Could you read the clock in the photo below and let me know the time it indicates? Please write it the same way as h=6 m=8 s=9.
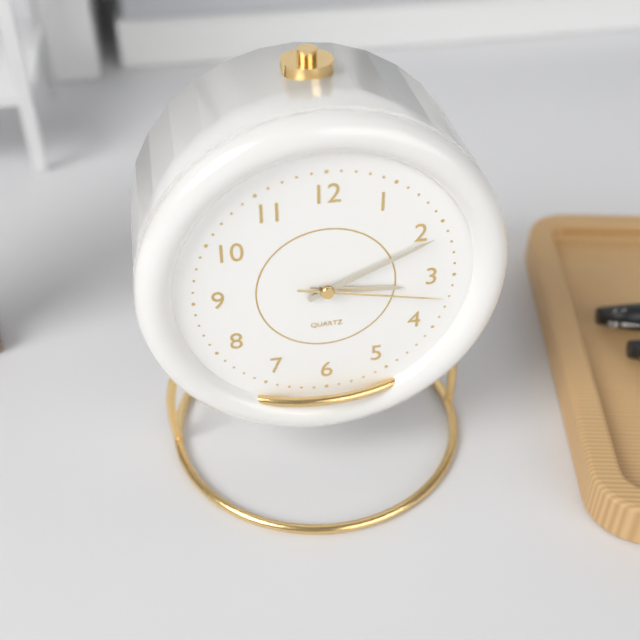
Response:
h=3 m=11 s=17
